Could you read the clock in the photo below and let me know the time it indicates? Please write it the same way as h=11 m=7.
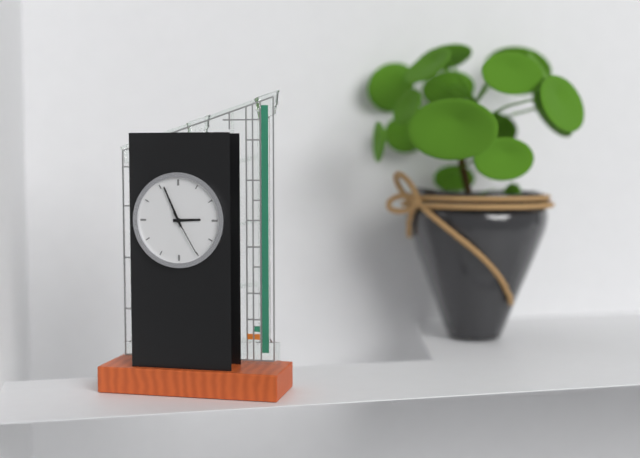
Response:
h=2 m=56
